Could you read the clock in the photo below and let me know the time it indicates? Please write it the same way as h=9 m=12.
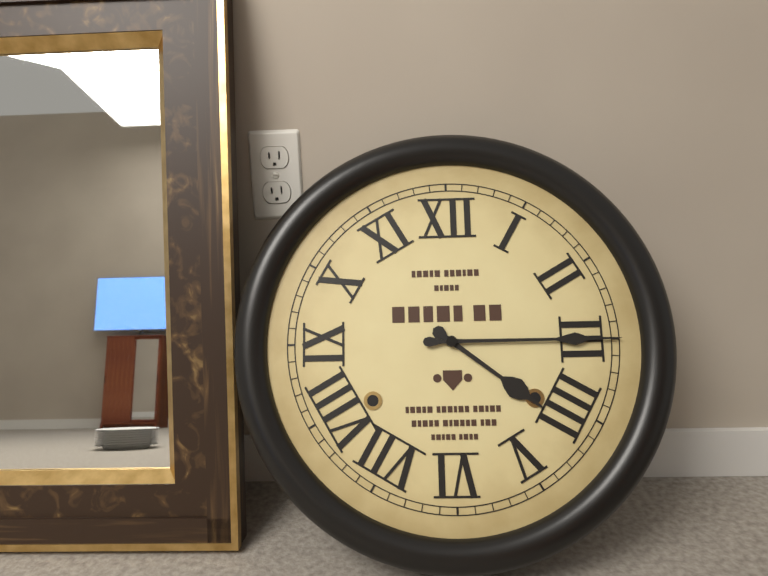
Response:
h=4 m=15
